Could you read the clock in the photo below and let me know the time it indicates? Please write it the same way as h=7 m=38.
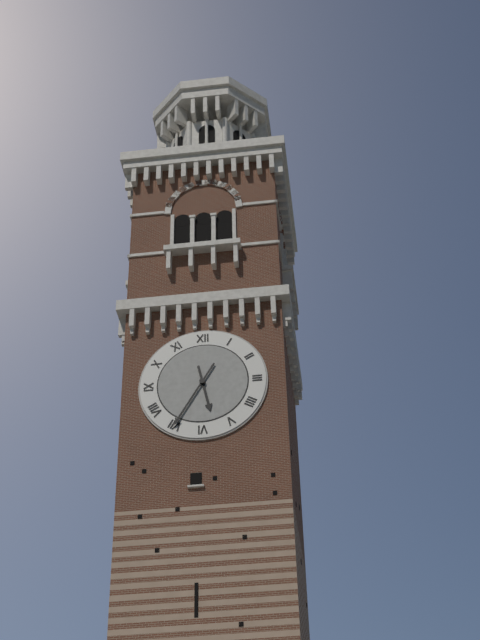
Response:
h=5 m=35
